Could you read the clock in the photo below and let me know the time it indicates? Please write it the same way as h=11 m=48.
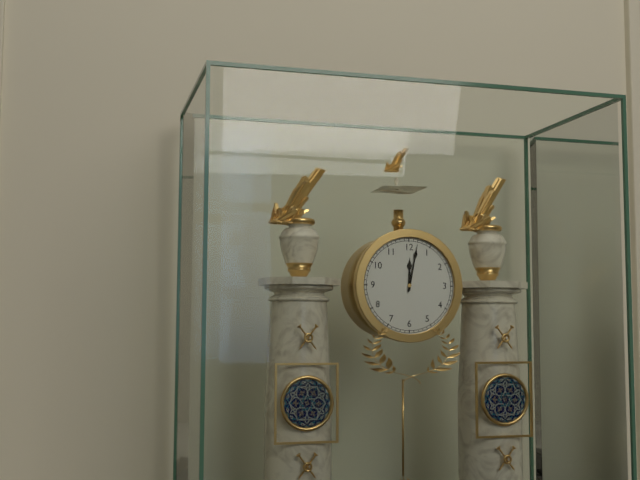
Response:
h=12 m=2
